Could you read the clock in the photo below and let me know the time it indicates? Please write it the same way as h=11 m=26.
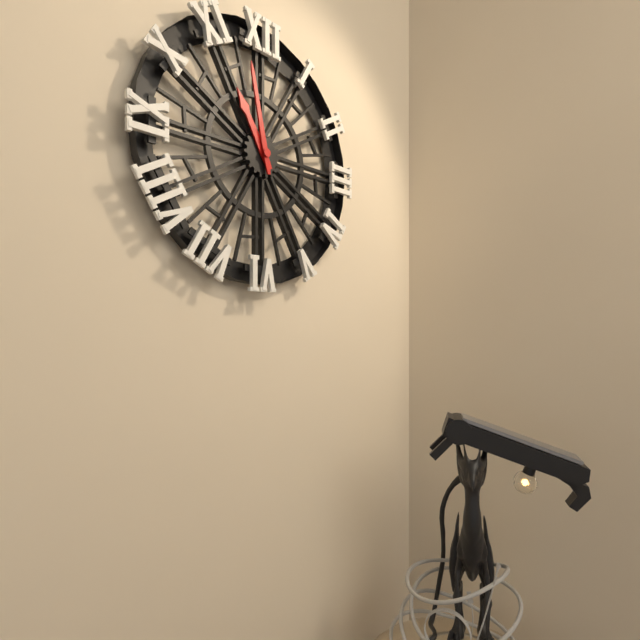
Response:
h=10 m=58
